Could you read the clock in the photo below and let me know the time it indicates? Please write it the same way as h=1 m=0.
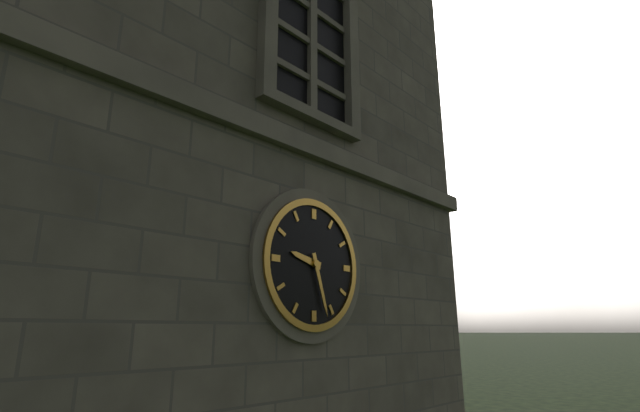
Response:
h=9 m=27
